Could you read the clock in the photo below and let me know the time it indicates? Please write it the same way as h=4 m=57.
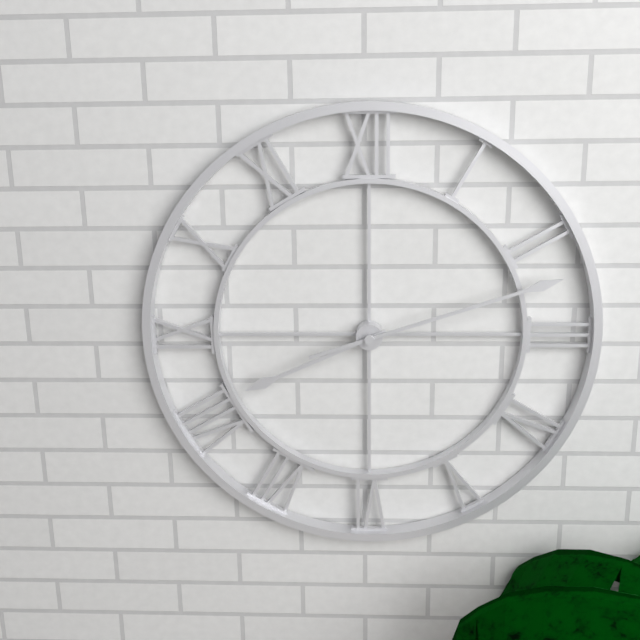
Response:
h=8 m=12
